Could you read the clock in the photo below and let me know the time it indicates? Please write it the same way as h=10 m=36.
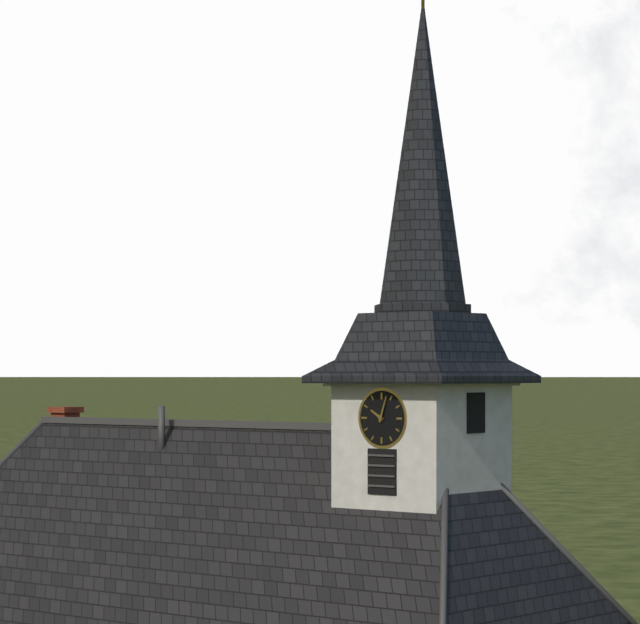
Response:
h=10 m=3
